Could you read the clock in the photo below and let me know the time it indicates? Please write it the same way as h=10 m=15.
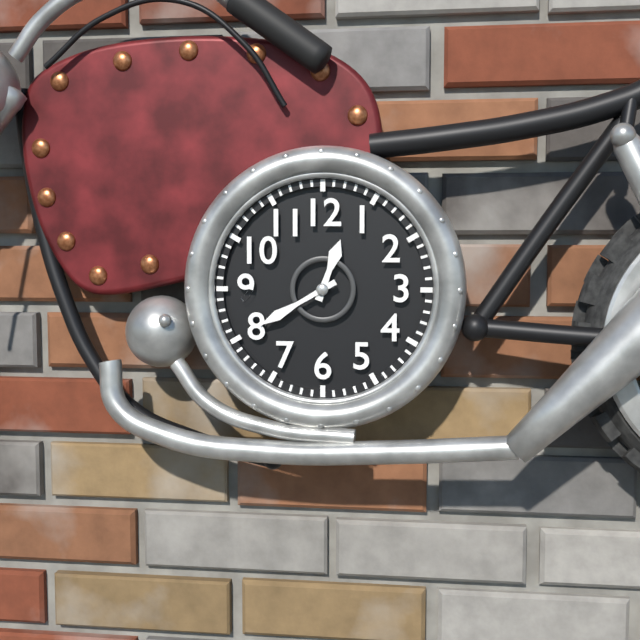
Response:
h=12 m=40
